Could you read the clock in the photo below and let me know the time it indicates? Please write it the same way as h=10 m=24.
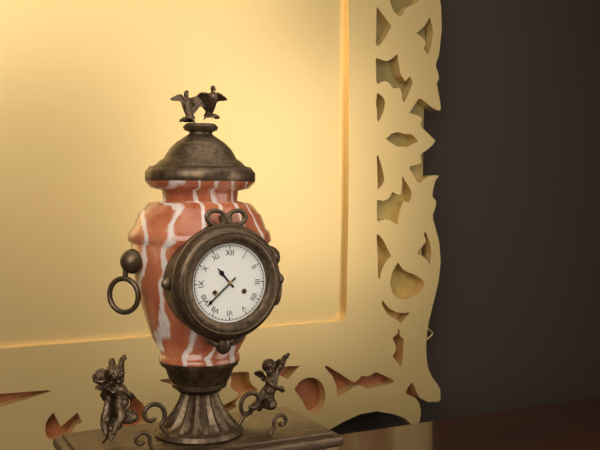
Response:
h=10 m=38
